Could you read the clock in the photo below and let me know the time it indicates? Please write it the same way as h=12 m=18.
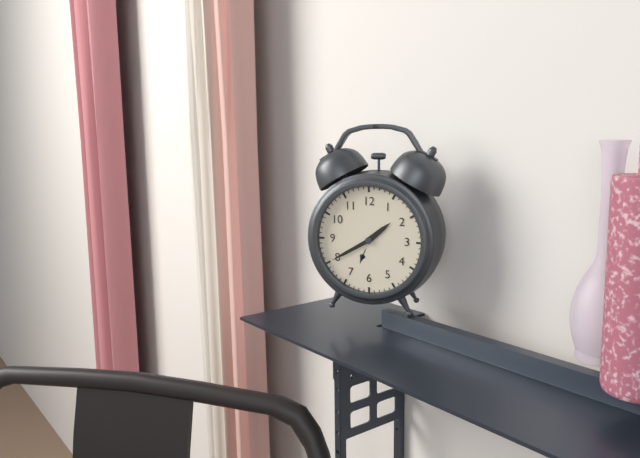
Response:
h=1 m=40
